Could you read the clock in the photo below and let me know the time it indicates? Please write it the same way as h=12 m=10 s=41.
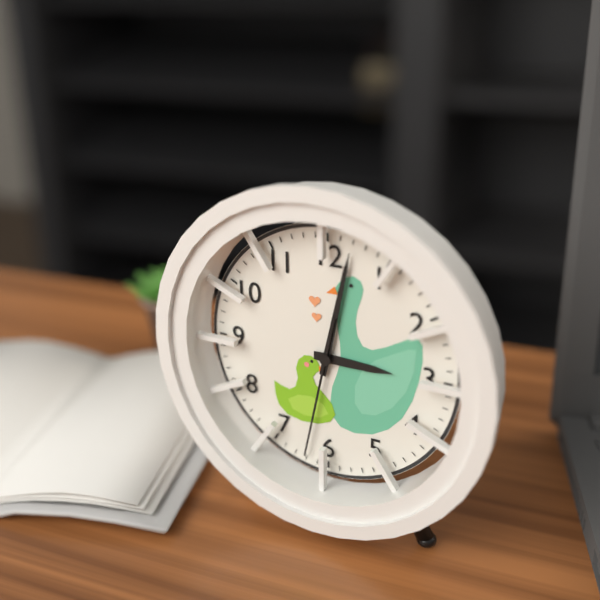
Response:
h=3 m=2 s=32
